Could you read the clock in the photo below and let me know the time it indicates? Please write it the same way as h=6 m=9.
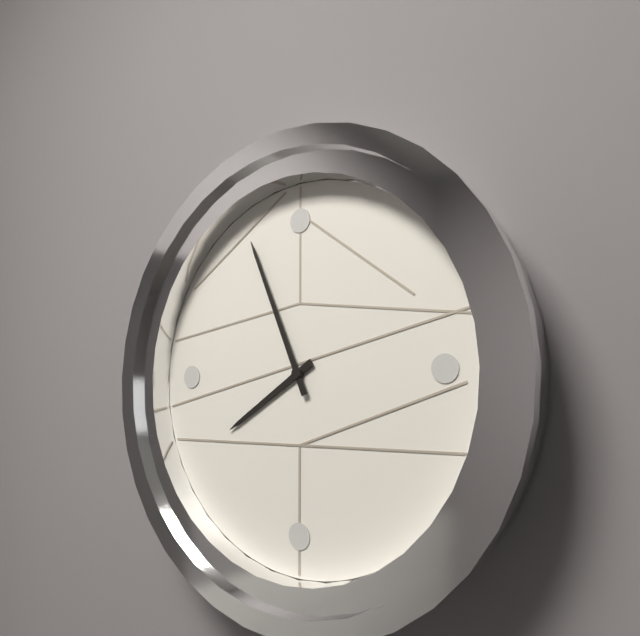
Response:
h=7 m=56
